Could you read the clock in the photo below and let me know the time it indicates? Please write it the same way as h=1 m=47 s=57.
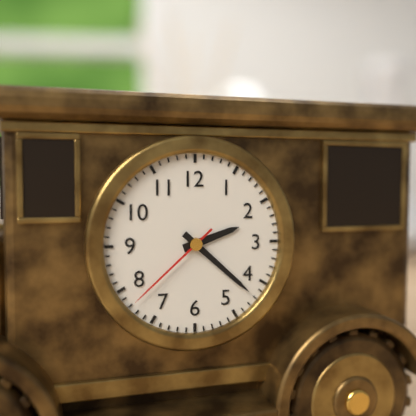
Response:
h=2 m=22 s=38
